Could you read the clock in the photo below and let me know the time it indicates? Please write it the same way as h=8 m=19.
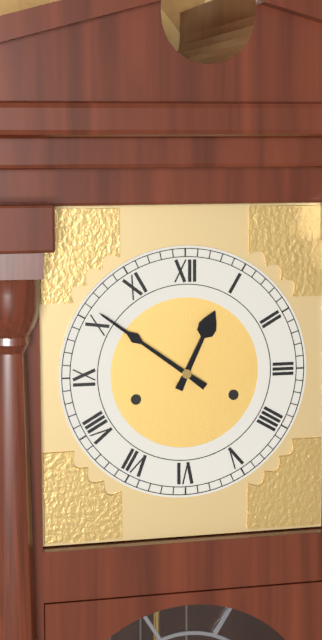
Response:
h=12 m=51
